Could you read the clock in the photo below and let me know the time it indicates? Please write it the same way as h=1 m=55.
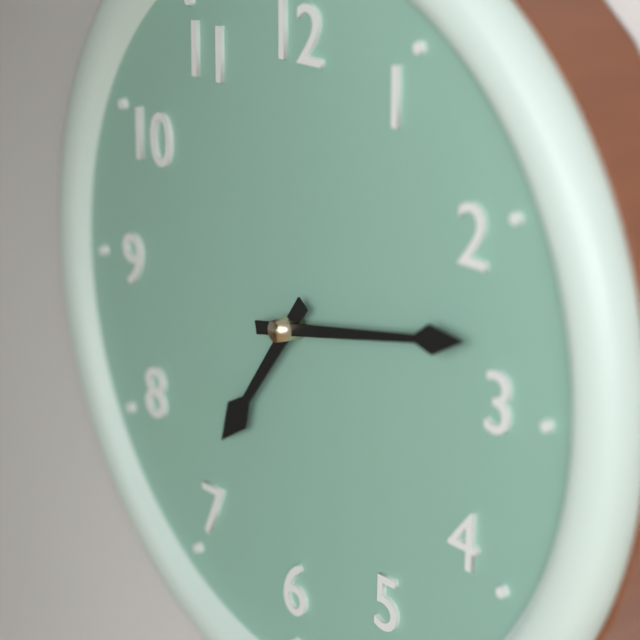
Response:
h=7 m=13
